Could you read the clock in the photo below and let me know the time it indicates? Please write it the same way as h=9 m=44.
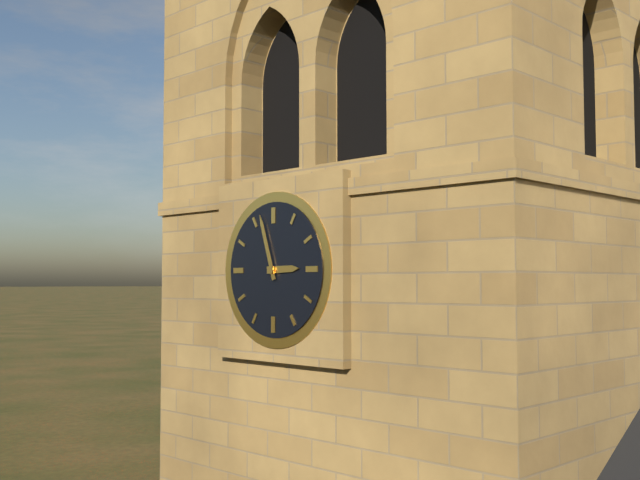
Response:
h=2 m=57
